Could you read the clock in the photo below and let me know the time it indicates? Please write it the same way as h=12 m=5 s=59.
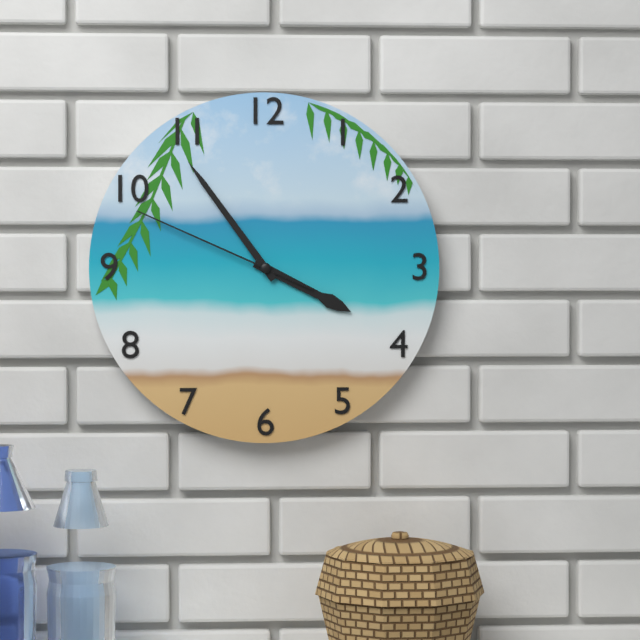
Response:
h=3 m=54 s=49
